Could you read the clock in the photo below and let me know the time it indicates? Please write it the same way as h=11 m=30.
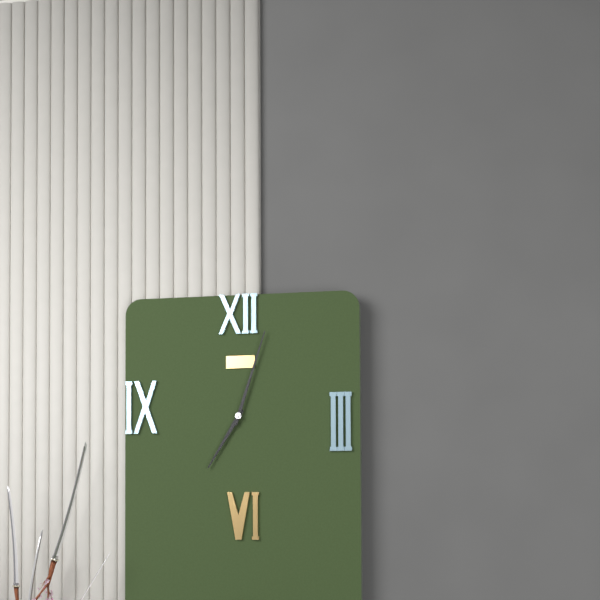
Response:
h=7 m=3
